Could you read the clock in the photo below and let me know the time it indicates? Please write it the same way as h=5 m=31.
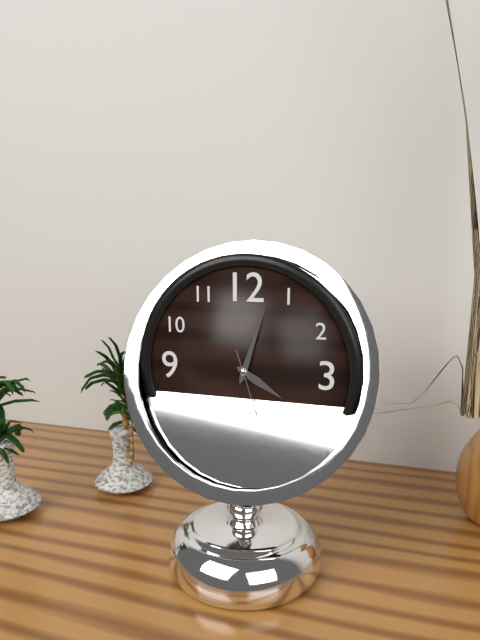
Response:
h=4 m=3
